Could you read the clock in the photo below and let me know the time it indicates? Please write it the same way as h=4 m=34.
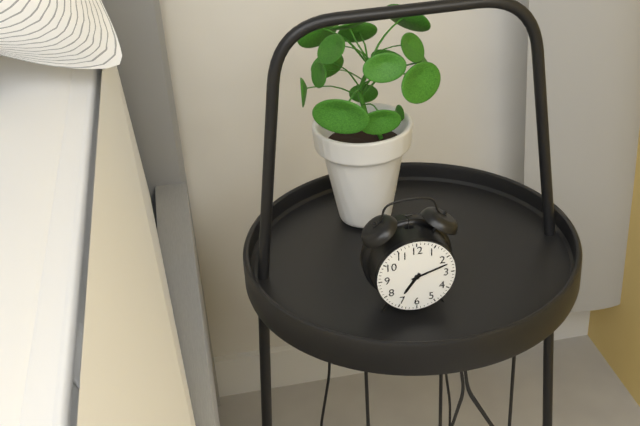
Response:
h=7 m=12
